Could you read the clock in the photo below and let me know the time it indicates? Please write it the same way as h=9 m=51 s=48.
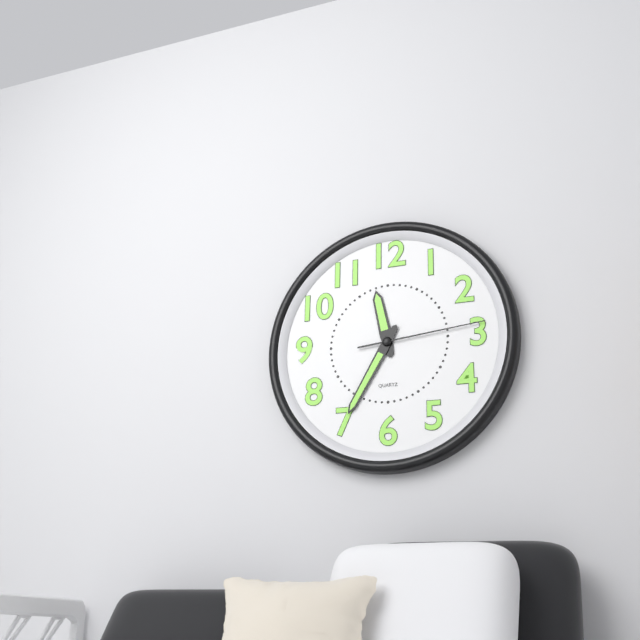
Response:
h=11 m=35 s=14
